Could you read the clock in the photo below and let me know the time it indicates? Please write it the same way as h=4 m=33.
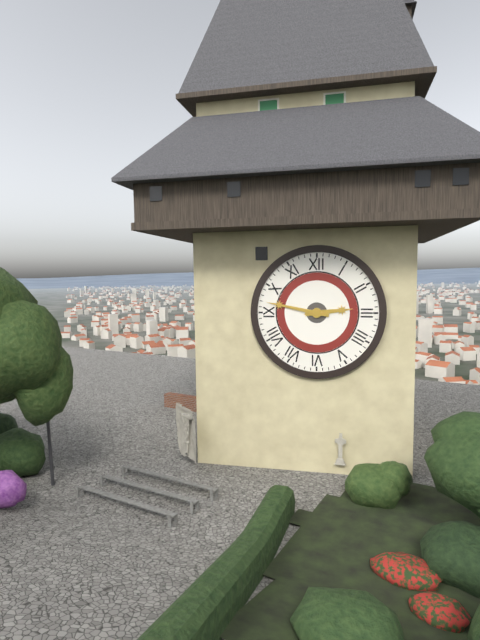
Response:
h=2 m=47
